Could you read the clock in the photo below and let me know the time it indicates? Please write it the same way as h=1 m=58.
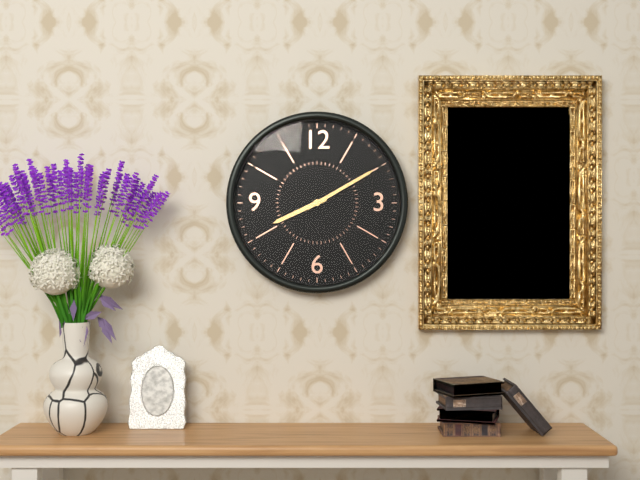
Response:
h=8 m=10
